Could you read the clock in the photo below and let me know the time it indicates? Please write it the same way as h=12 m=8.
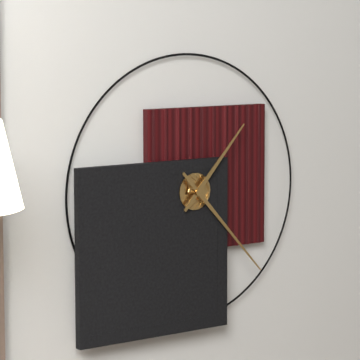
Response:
h=1 m=23
